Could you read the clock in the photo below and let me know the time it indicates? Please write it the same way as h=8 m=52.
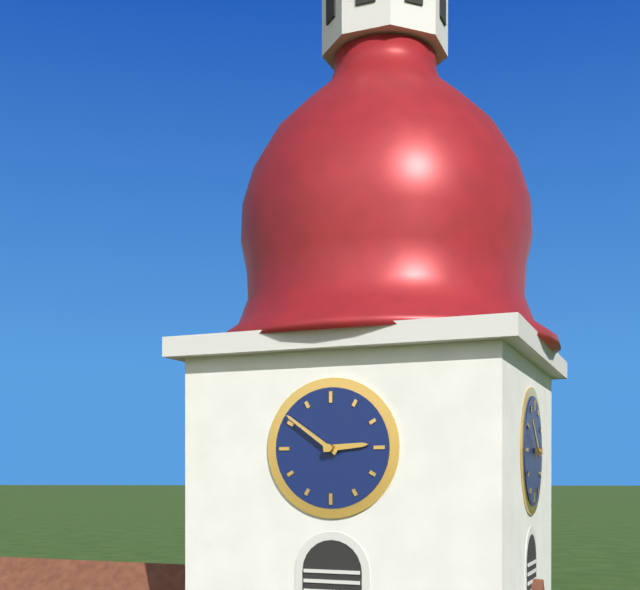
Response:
h=2 m=51
